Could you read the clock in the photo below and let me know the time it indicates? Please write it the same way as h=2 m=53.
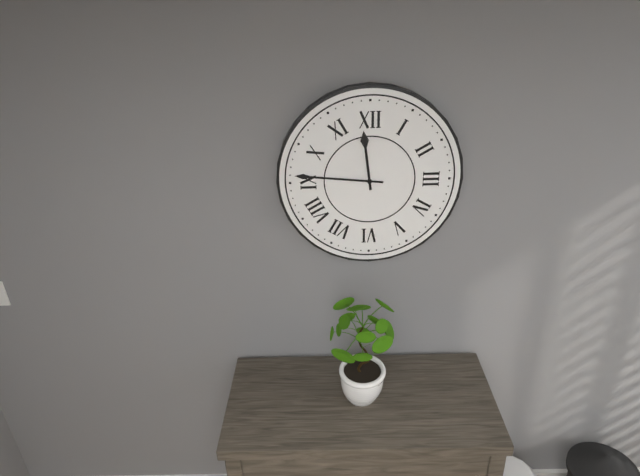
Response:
h=11 m=46
